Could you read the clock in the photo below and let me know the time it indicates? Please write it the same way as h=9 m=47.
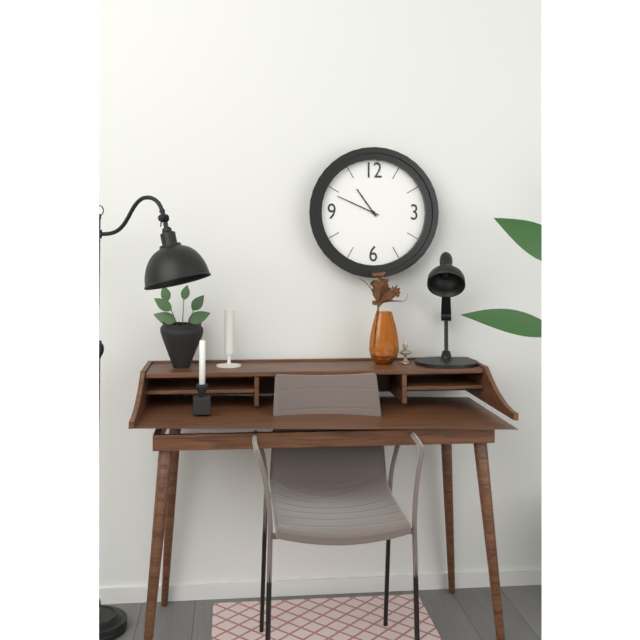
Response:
h=10 m=49
